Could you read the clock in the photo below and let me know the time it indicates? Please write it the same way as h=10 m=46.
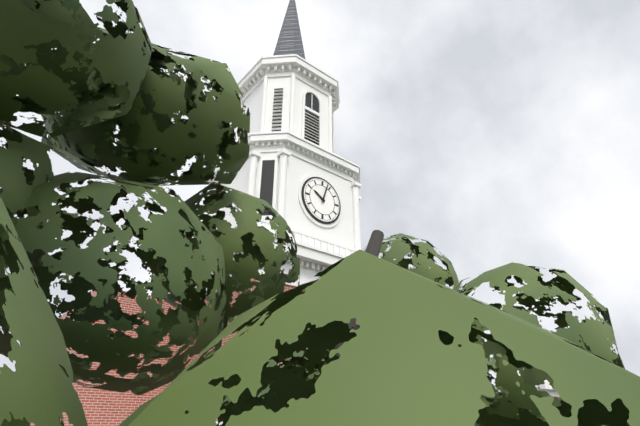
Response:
h=10 m=3
